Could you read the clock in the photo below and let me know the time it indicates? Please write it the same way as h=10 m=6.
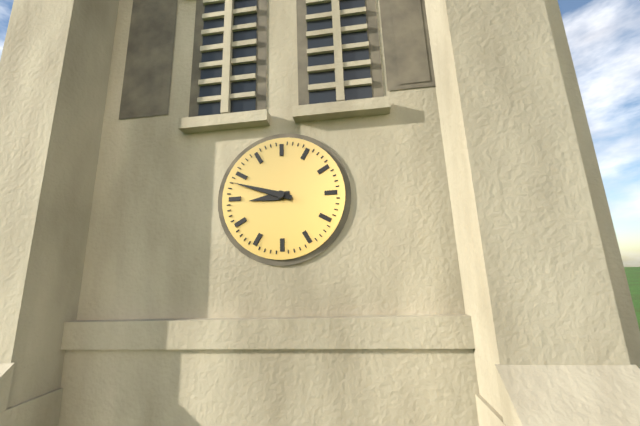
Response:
h=8 m=48
